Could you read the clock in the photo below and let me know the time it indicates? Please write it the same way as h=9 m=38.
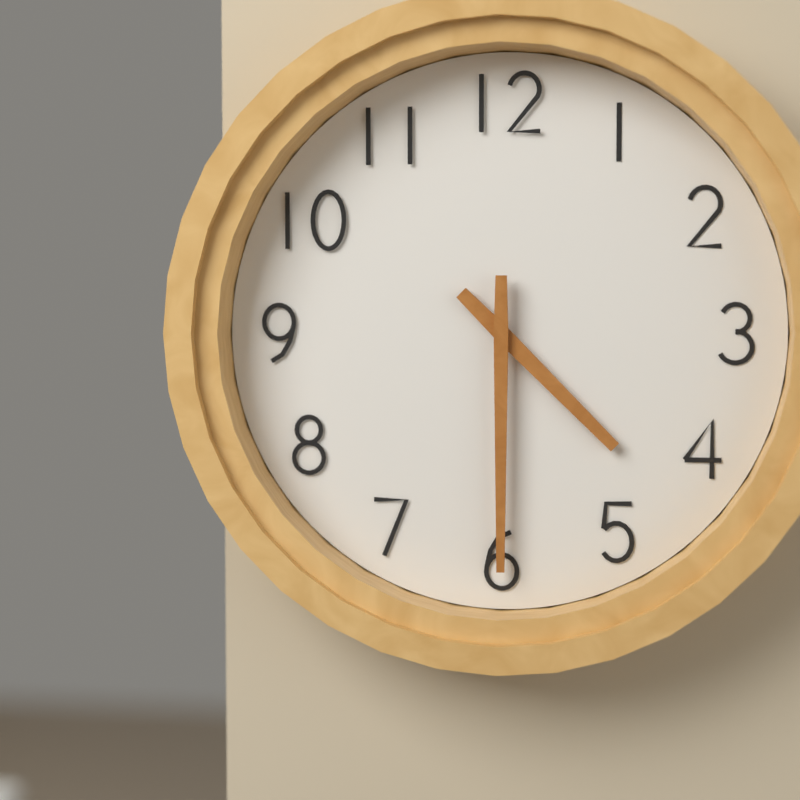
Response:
h=4 m=30
